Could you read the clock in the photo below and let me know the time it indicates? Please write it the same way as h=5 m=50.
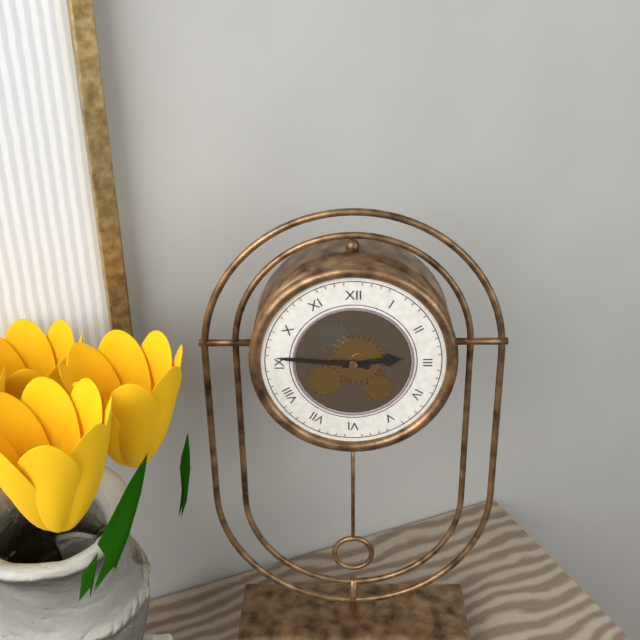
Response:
h=2 m=46
